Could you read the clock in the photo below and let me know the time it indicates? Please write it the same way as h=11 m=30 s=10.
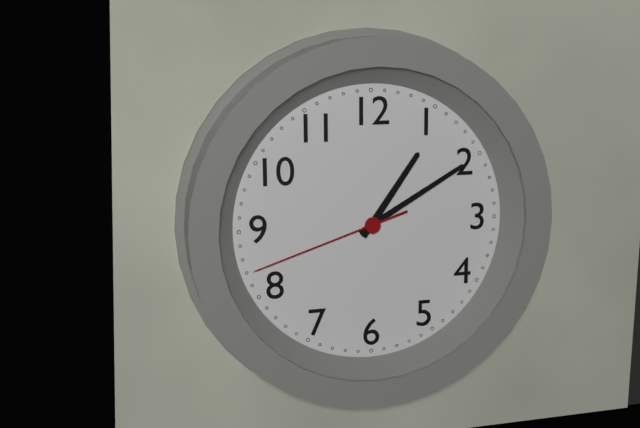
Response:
h=1 m=10 s=42
